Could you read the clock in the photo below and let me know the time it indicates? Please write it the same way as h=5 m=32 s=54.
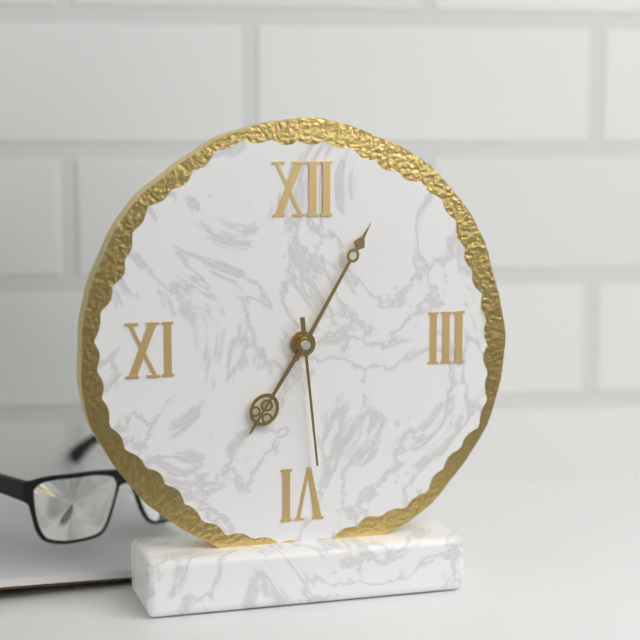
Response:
h=7 m=5 s=29
